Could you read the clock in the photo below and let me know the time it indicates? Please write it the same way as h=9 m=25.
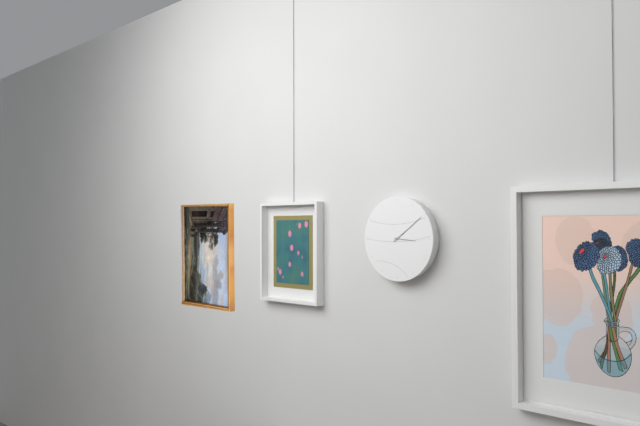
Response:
h=3 m=9
